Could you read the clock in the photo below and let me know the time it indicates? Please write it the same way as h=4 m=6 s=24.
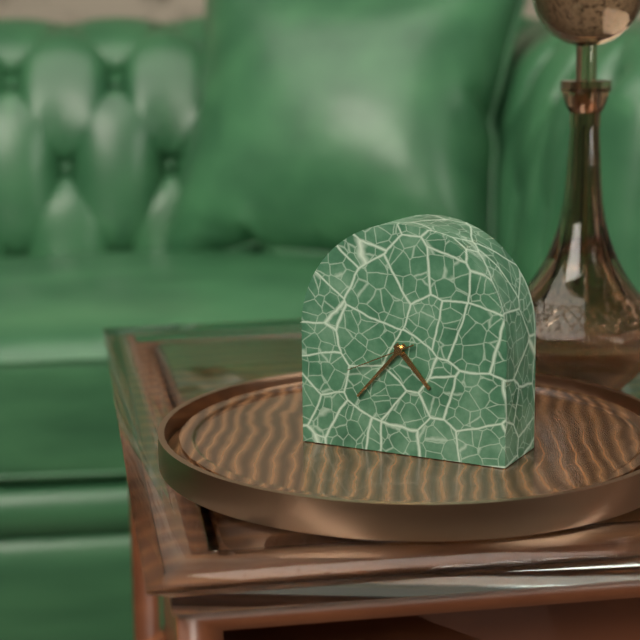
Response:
h=4 m=37 s=41
